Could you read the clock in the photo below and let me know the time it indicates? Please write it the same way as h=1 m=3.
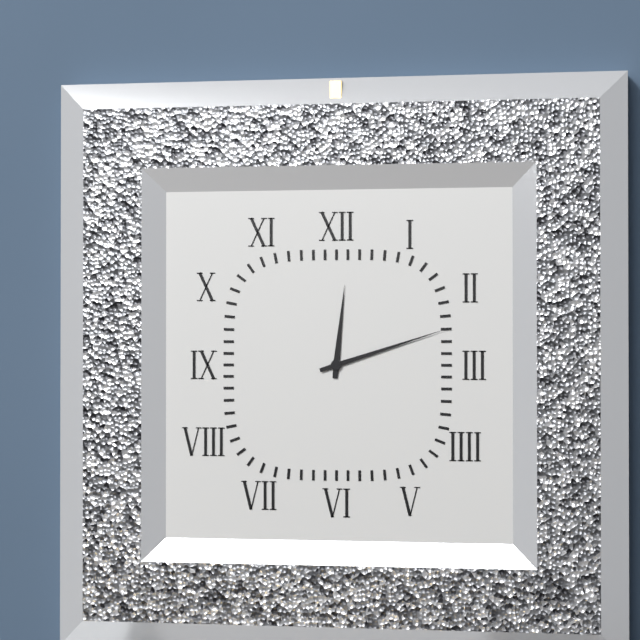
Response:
h=12 m=12
